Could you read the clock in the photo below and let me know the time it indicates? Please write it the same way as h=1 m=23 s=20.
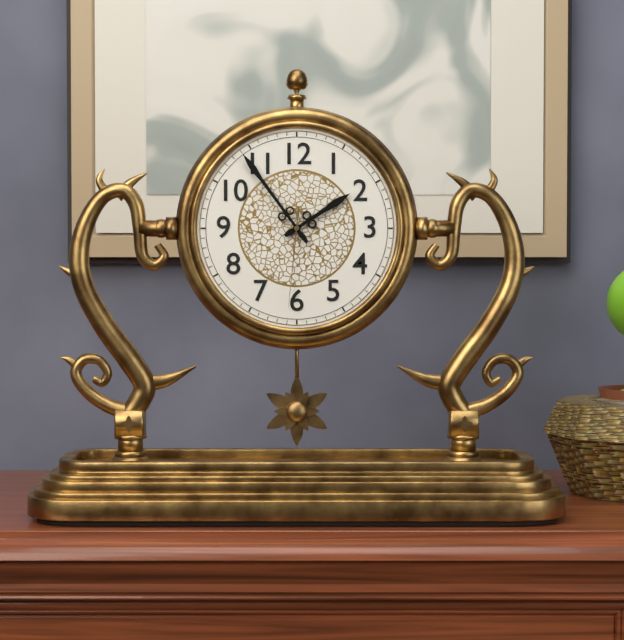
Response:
h=1 m=54 s=31
